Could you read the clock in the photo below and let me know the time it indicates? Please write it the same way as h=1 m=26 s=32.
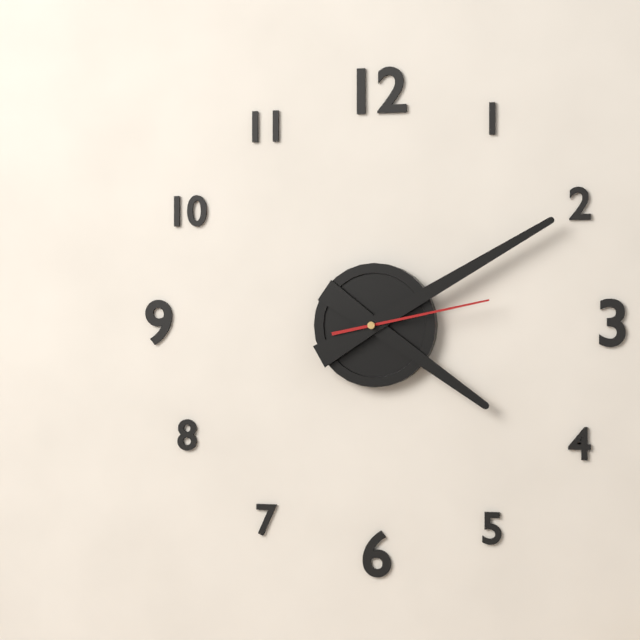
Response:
h=4 m=10 s=13
